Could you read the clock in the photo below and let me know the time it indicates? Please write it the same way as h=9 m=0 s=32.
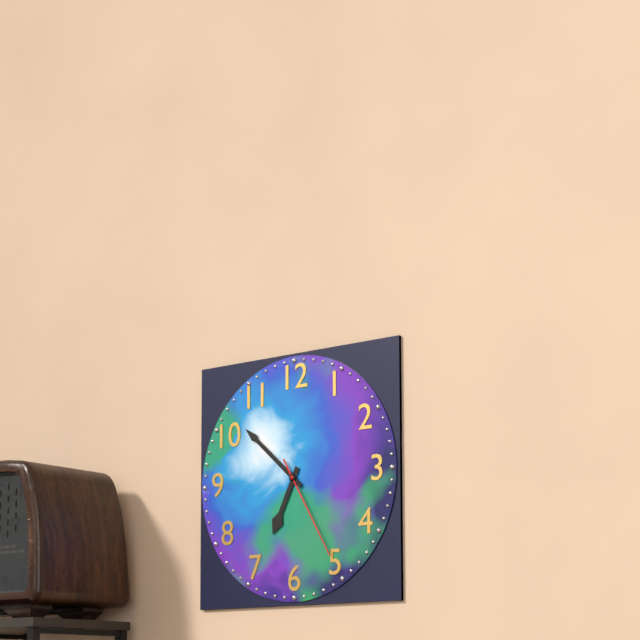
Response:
h=6 m=52 s=25
